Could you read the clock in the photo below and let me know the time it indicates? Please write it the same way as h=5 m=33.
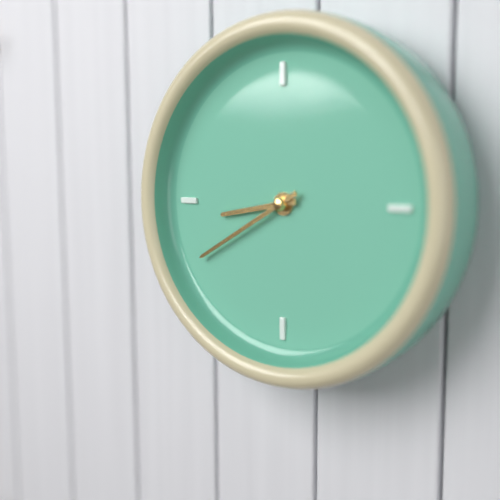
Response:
h=8 m=40
